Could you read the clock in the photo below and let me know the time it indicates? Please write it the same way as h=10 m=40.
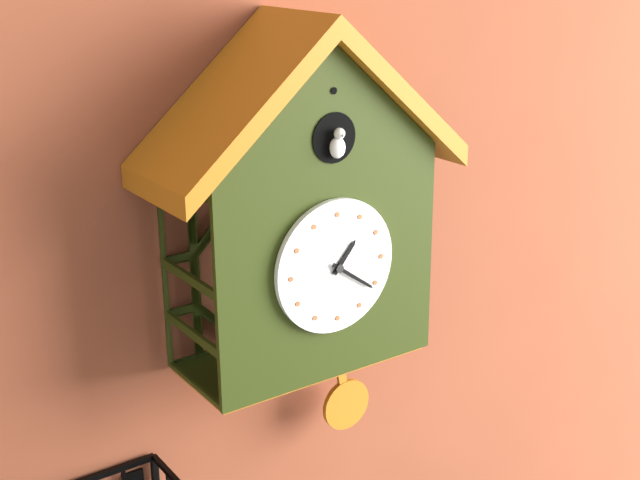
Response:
h=1 m=21
